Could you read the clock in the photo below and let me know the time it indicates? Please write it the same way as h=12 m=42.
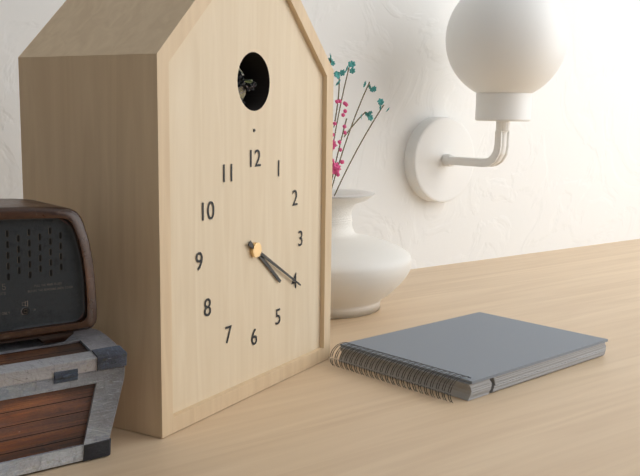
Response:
h=4 m=20
